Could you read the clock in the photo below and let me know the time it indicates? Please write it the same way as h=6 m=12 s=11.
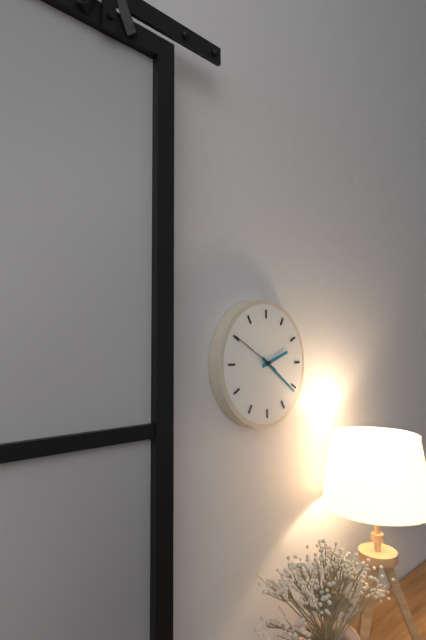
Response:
h=2 m=21 s=50
